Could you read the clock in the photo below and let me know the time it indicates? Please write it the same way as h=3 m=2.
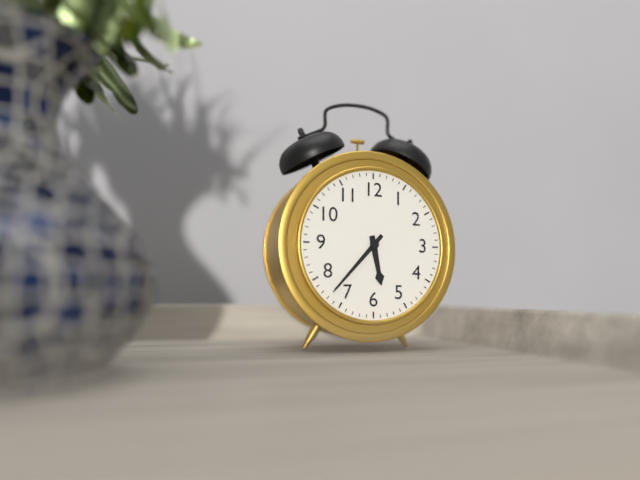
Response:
h=5 m=37
